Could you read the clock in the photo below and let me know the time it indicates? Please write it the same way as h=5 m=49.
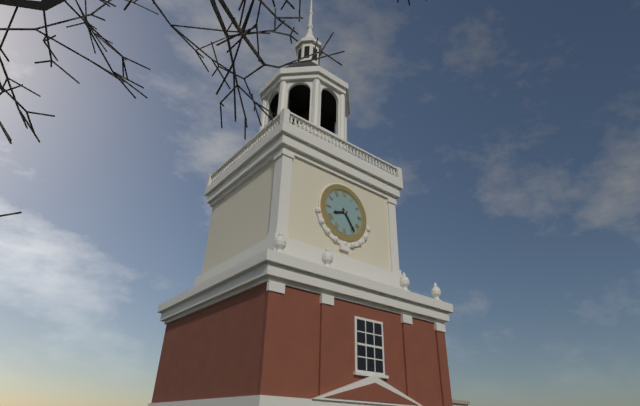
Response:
h=8 m=24
